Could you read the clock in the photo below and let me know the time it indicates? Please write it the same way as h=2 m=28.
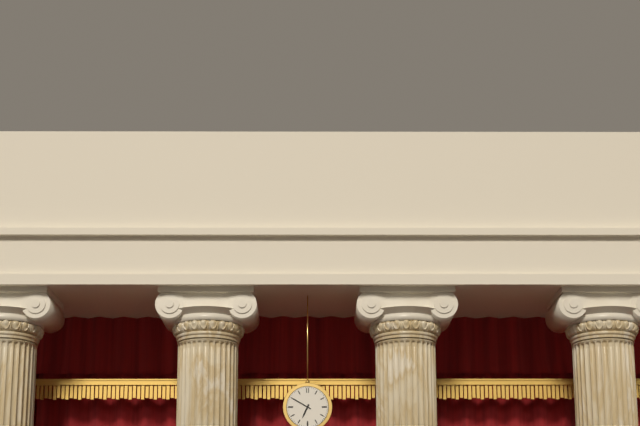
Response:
h=6 m=50
